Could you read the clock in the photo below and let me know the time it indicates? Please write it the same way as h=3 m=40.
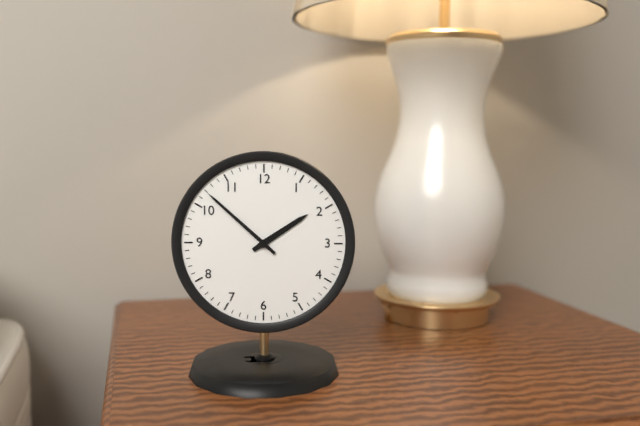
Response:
h=1 m=52
